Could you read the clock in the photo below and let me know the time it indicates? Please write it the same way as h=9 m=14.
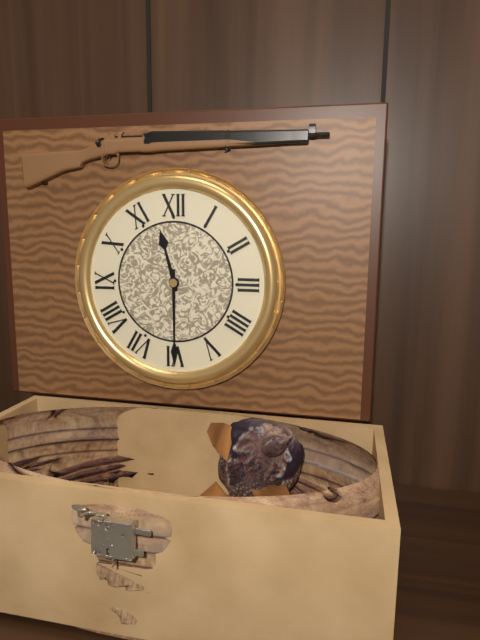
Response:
h=11 m=30
